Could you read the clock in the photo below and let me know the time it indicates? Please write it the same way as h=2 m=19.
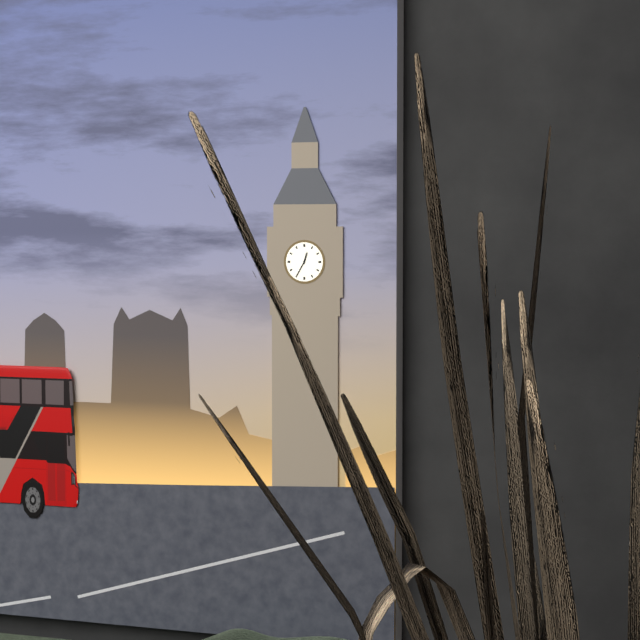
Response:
h=12 m=35
